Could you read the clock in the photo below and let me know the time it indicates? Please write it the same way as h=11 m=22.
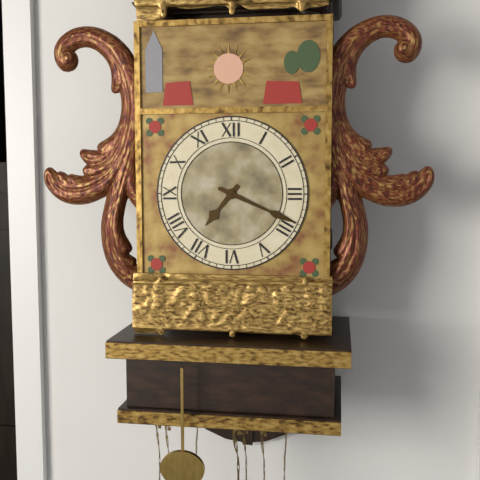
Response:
h=7 m=19
